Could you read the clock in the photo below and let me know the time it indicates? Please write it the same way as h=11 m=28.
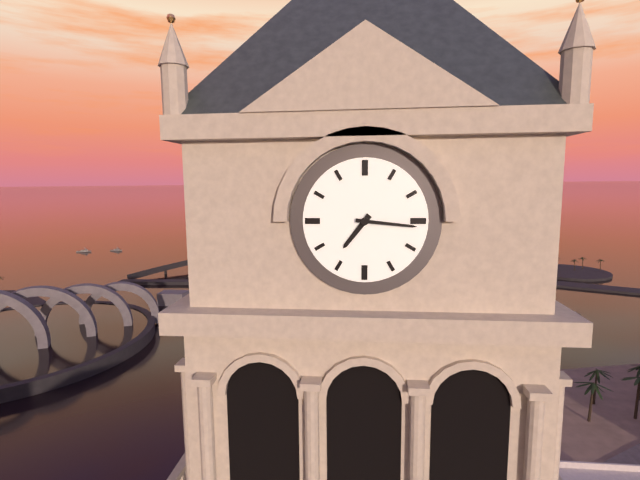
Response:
h=7 m=16
